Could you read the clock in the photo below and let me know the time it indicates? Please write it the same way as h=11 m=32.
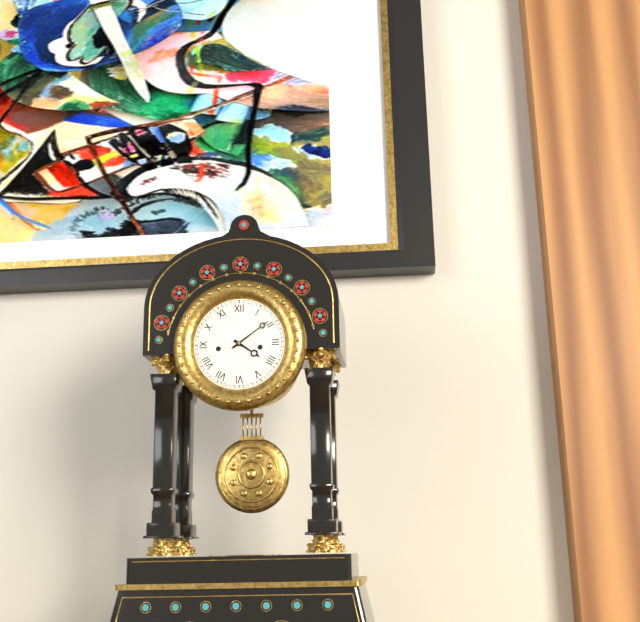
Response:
h=4 m=9
